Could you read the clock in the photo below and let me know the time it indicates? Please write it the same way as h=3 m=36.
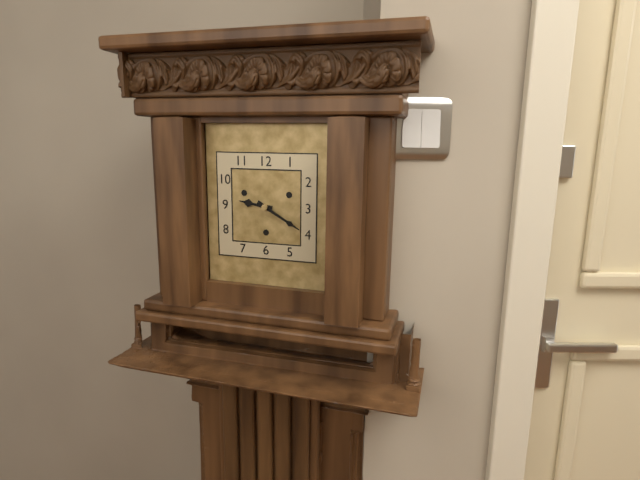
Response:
h=9 m=20
